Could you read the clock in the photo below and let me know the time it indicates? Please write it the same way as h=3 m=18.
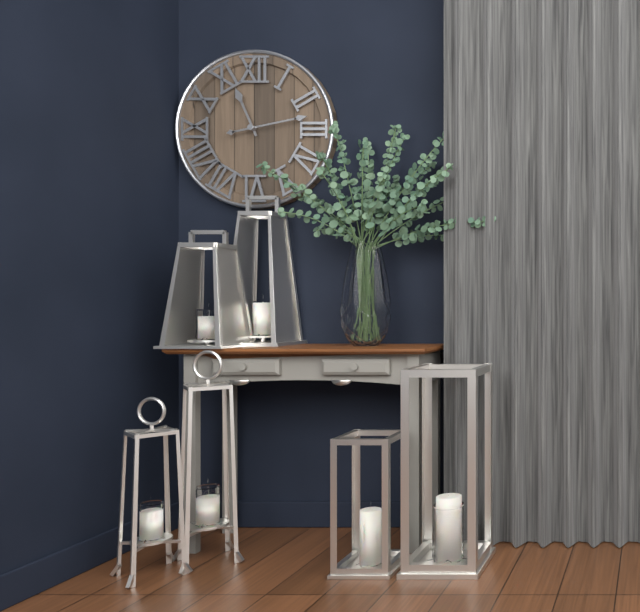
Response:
h=11 m=13
